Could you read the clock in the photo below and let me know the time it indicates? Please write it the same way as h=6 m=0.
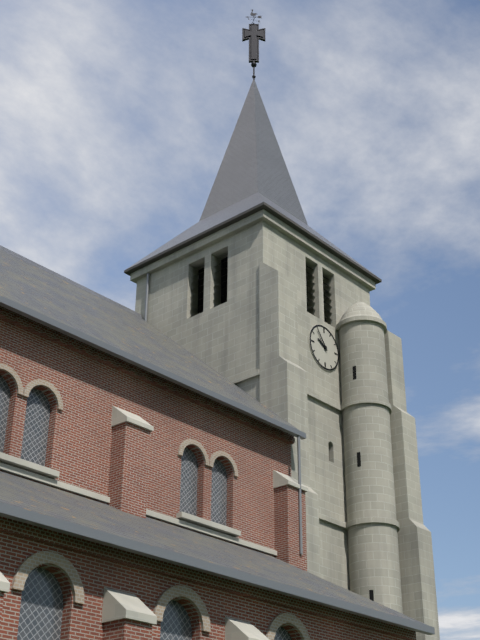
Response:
h=9 m=54
